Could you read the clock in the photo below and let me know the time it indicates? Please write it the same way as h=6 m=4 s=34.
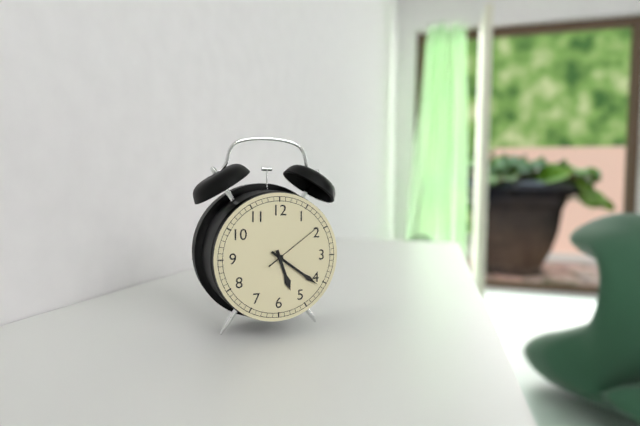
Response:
h=5 m=21 s=9
